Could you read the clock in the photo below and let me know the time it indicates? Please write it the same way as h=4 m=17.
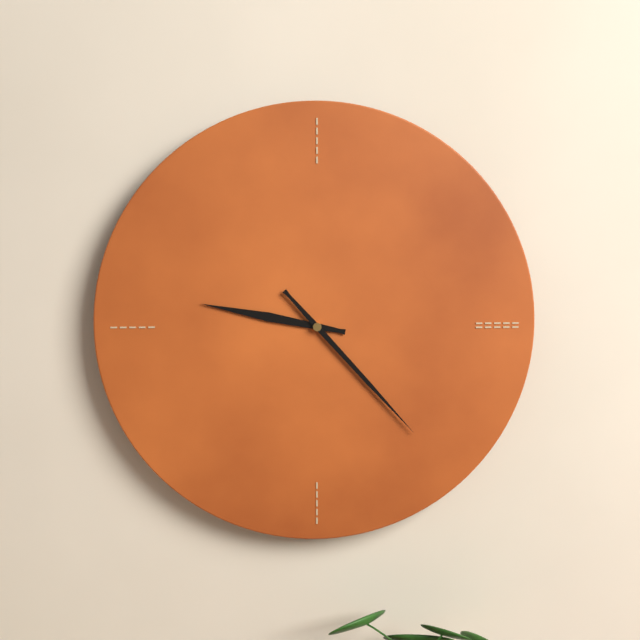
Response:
h=9 m=23
